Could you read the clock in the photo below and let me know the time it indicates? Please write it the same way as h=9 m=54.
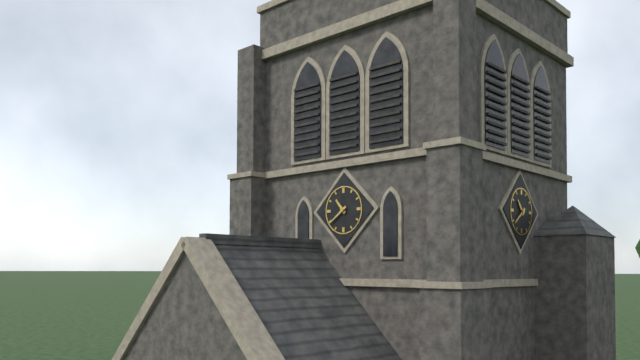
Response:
h=10 m=39
